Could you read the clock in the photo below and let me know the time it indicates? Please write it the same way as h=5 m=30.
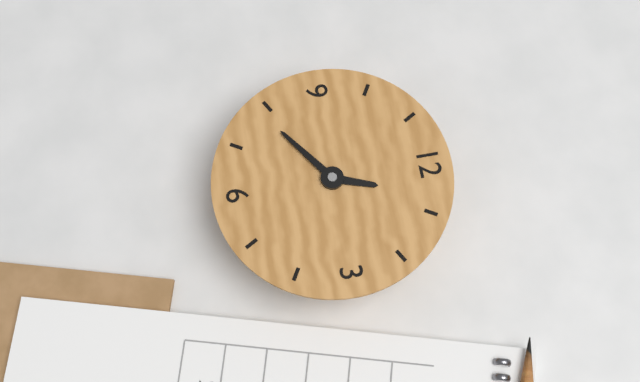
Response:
h=12 m=39
